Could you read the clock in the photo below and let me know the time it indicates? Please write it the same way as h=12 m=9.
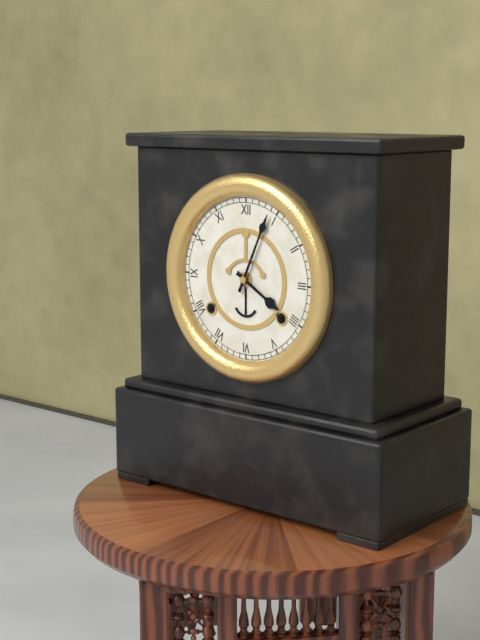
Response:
h=4 m=4
